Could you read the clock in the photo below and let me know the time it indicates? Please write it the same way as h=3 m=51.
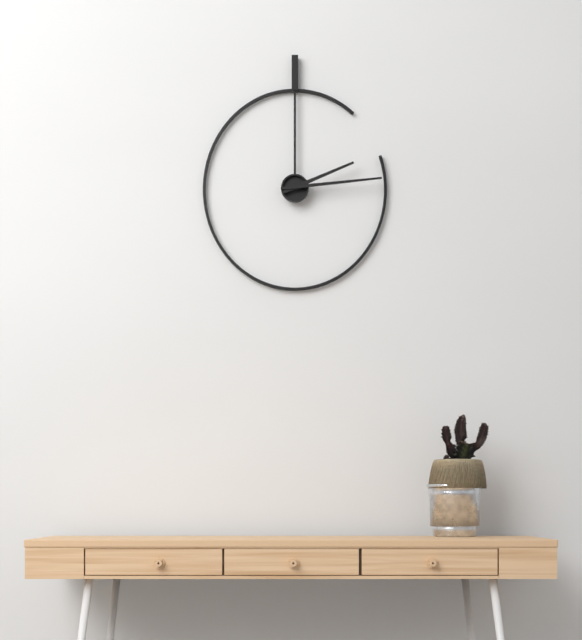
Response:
h=2 m=14
